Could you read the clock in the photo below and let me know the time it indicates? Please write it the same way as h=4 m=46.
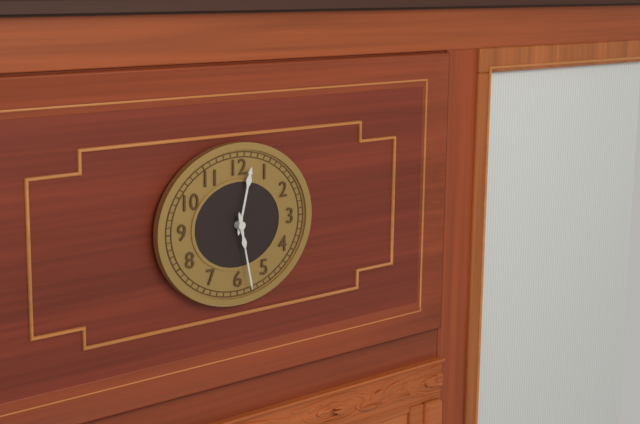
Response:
h=12 m=28
